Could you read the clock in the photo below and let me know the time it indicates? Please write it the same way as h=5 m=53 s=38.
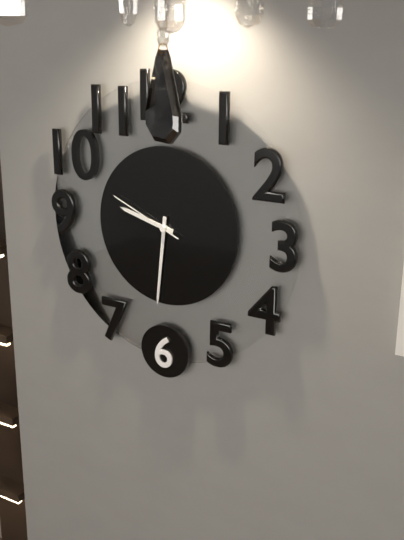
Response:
h=9 m=31 s=49
